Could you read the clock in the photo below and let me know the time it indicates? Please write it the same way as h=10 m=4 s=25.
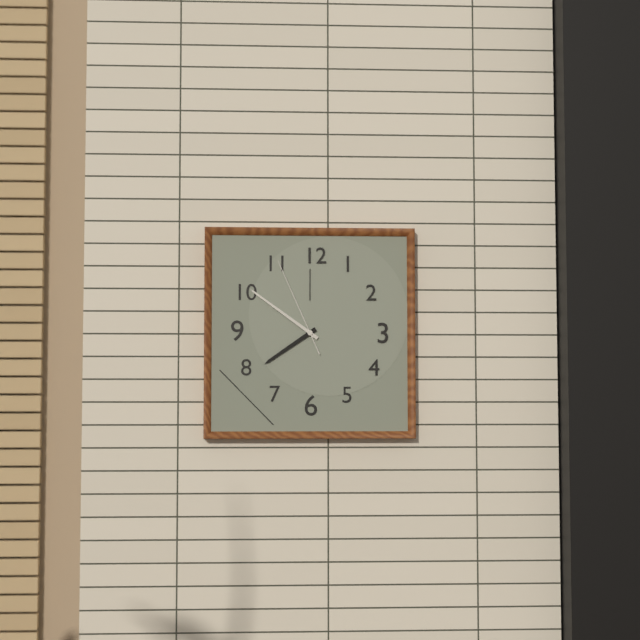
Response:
h=7 m=51 s=56
